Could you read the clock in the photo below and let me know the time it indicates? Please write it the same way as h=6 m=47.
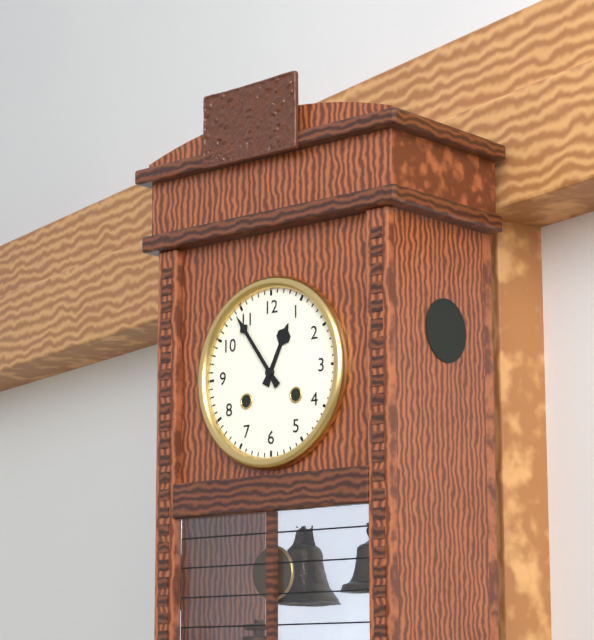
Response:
h=12 m=54
